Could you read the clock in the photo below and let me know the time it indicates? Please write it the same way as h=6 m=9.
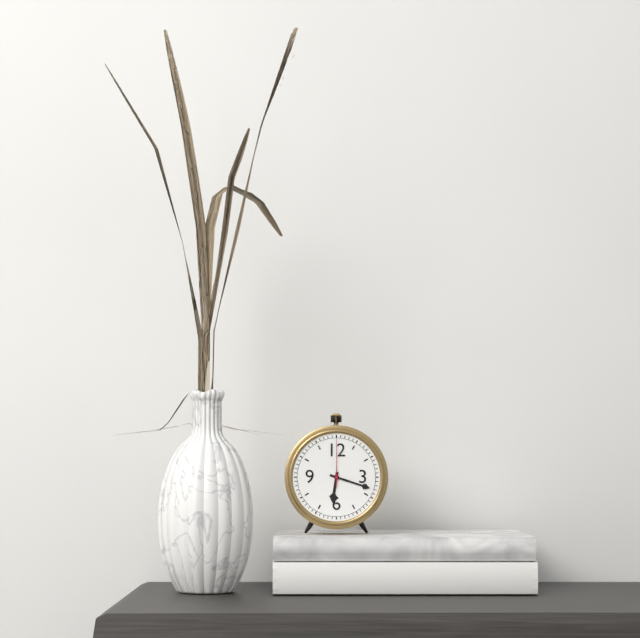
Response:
h=6 m=18
